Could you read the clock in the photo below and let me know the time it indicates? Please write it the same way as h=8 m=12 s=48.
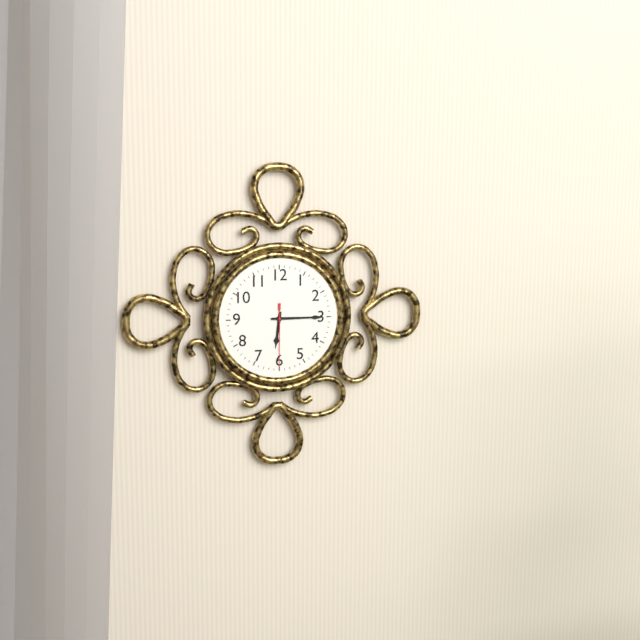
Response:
h=6 m=15 s=30
